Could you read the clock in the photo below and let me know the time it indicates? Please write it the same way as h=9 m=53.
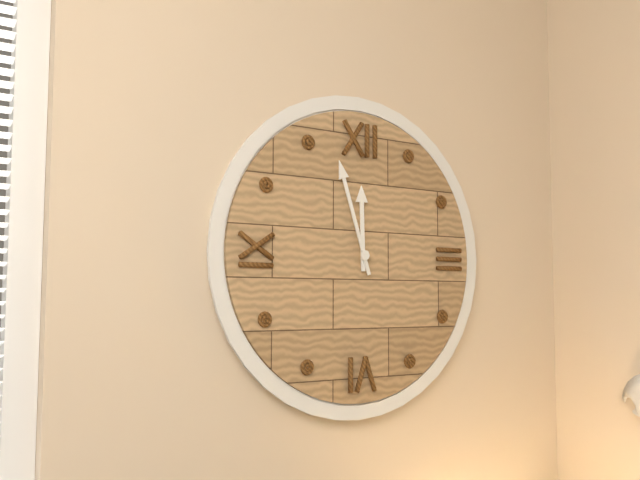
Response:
h=11 m=57
